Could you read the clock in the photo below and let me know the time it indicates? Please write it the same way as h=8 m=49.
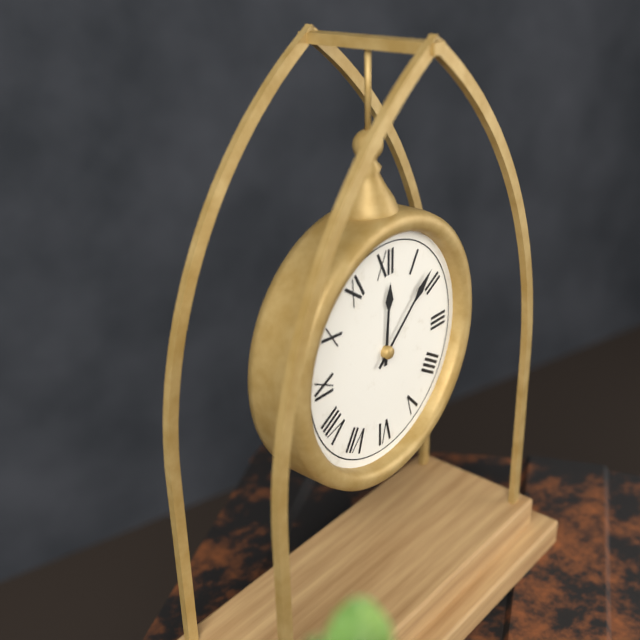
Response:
h=12 m=8
